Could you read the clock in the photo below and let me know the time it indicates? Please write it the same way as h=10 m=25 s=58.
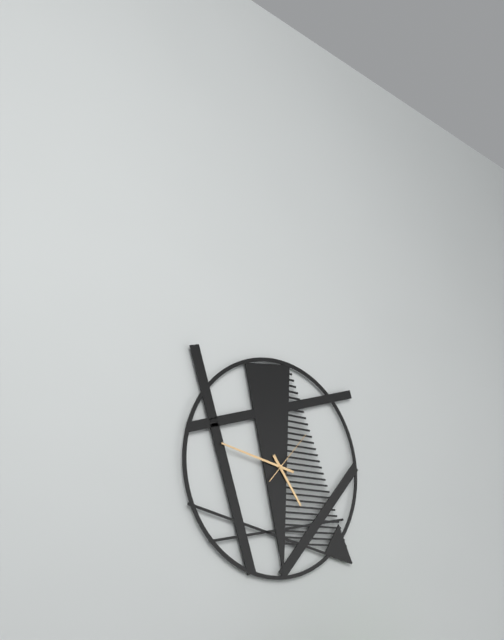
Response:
h=4 m=47 s=7
